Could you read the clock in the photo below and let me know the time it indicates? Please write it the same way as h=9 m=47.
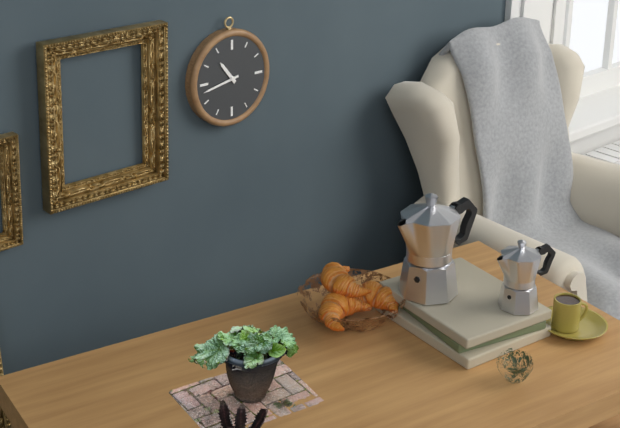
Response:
h=10 m=43
